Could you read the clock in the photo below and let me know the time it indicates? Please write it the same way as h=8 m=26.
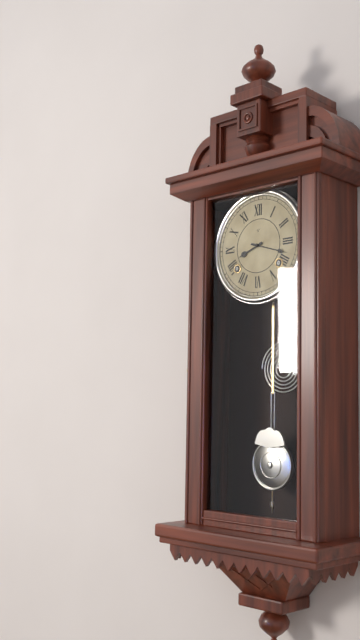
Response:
h=8 m=18
